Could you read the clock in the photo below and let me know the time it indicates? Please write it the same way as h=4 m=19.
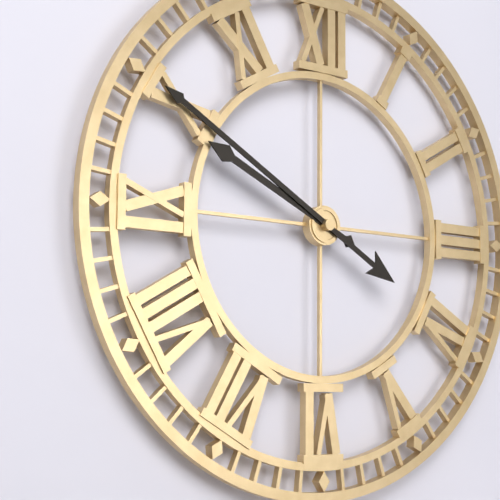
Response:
h=9 m=50
